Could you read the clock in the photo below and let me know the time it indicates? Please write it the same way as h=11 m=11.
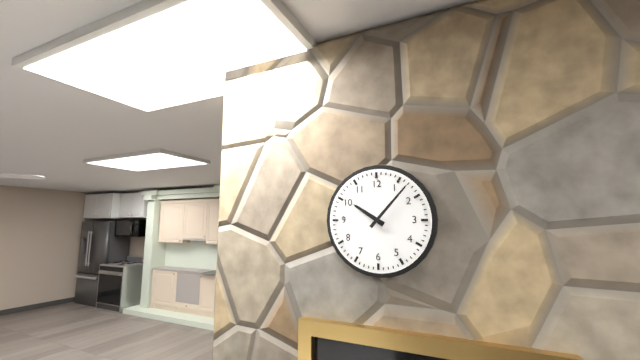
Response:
h=10 m=7
